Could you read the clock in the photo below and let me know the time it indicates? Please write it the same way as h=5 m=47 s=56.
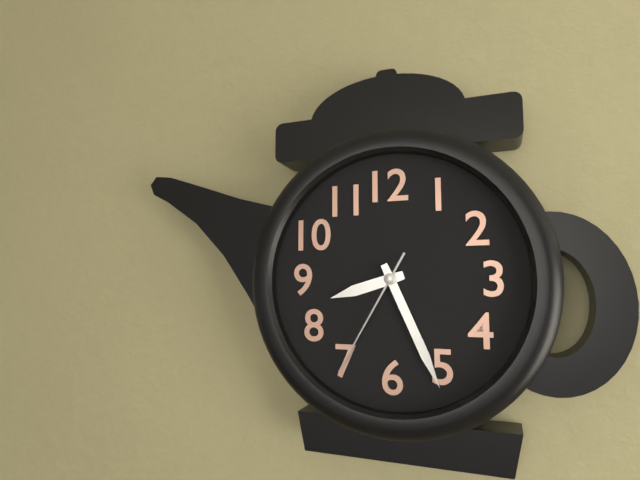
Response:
h=8 m=26 s=35
